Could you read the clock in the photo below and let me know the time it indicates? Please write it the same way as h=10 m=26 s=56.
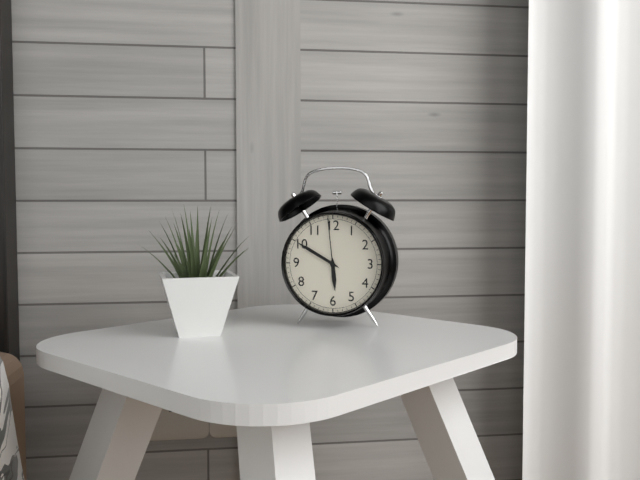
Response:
h=5 m=50 s=59
